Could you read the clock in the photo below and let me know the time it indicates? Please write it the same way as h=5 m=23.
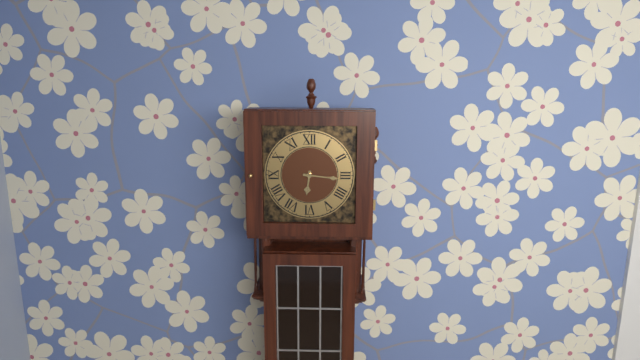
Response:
h=6 m=16
